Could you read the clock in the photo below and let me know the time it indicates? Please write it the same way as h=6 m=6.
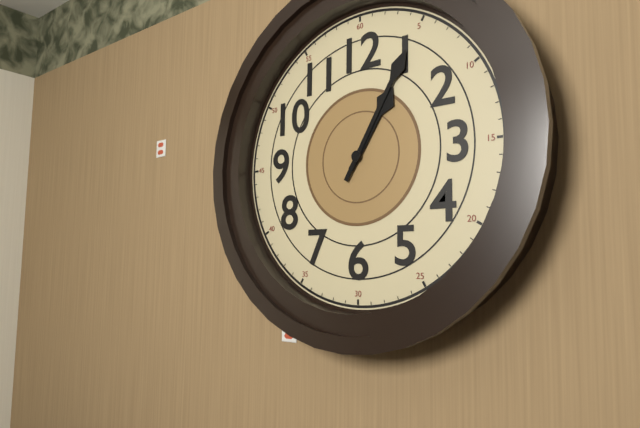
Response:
h=1 m=5
